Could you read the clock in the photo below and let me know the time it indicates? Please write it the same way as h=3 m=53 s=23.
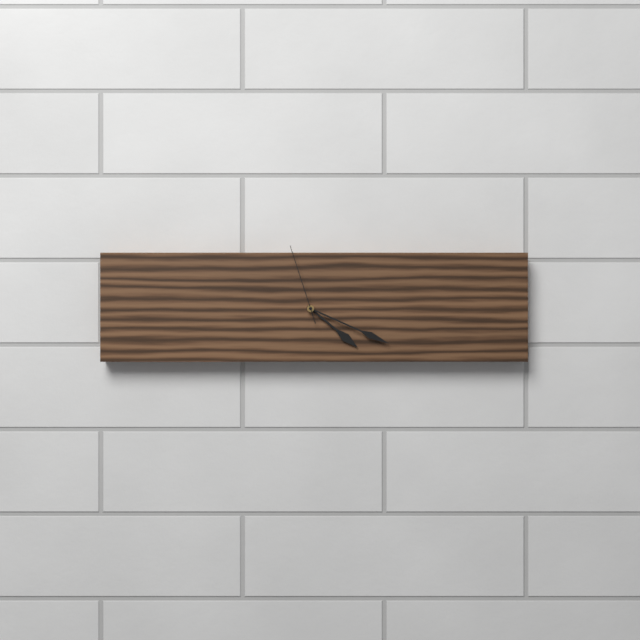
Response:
h=4 m=19 s=57
